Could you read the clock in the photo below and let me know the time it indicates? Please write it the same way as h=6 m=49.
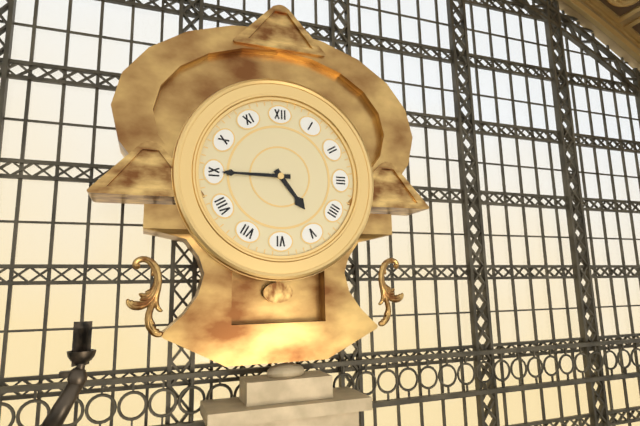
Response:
h=4 m=45
